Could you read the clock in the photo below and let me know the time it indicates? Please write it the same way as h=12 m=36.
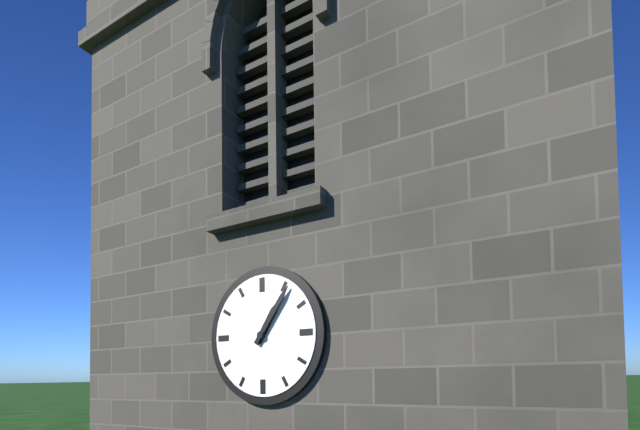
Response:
h=1 m=6
